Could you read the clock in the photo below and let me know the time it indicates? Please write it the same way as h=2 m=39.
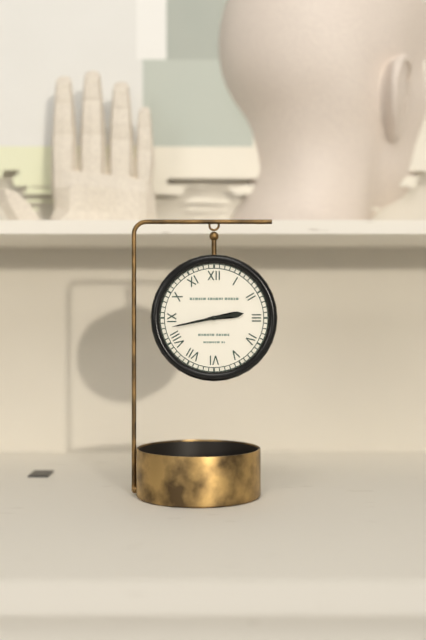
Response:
h=2 m=43
